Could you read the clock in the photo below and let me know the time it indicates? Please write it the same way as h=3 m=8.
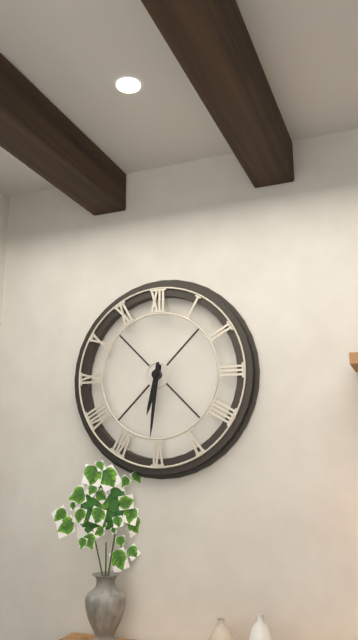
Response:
h=6 m=31
